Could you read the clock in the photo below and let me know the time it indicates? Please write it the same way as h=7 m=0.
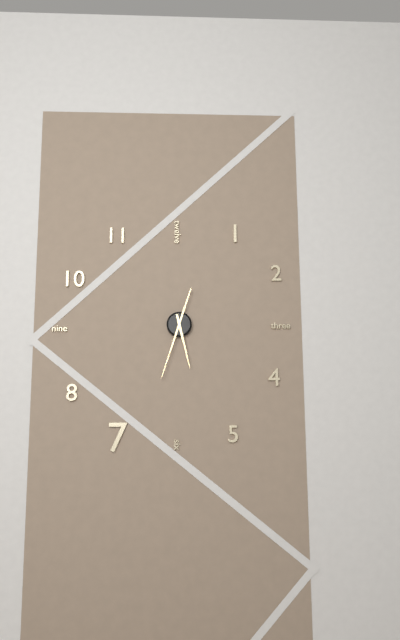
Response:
h=5 m=33
